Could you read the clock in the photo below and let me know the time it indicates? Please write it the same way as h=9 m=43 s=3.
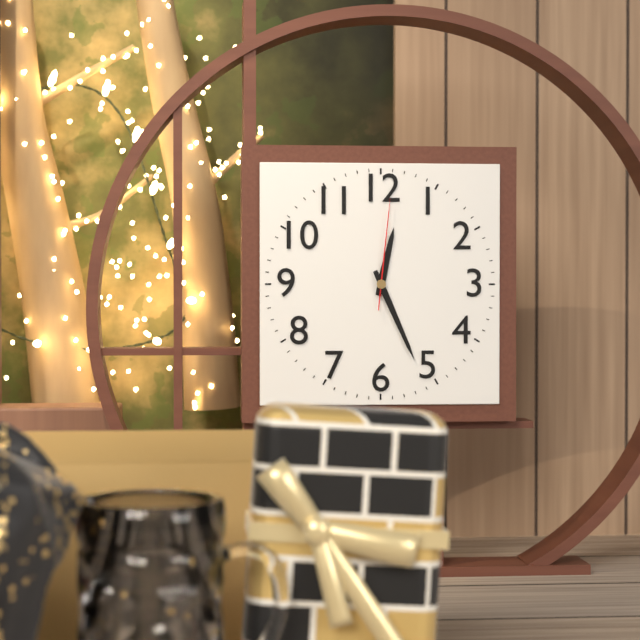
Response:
h=12 m=26 s=1
